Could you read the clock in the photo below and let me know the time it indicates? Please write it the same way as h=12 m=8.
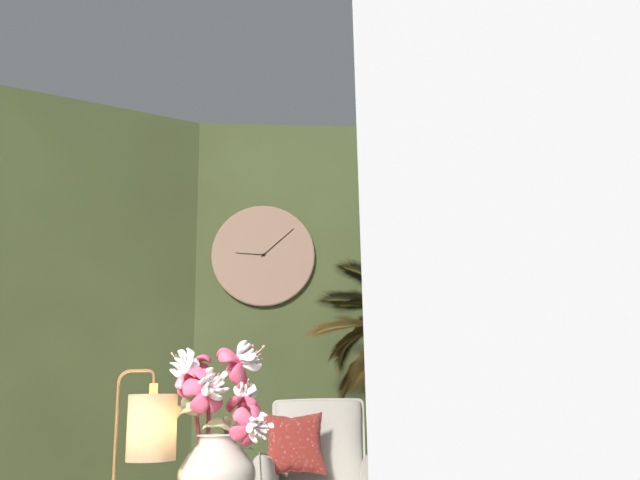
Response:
h=9 m=8
